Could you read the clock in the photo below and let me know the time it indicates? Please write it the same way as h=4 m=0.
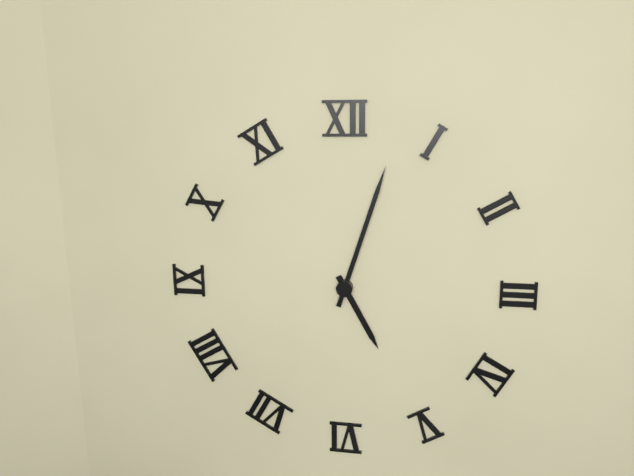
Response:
h=5 m=3
